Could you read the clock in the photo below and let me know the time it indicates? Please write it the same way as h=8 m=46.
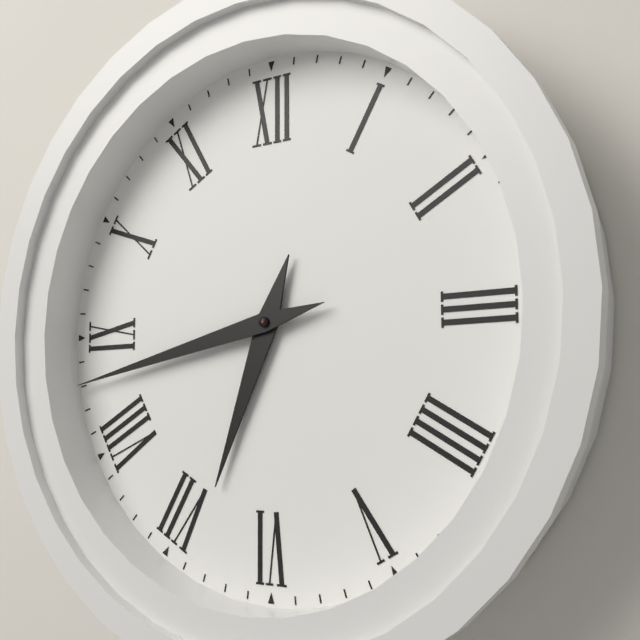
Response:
h=6 m=43
